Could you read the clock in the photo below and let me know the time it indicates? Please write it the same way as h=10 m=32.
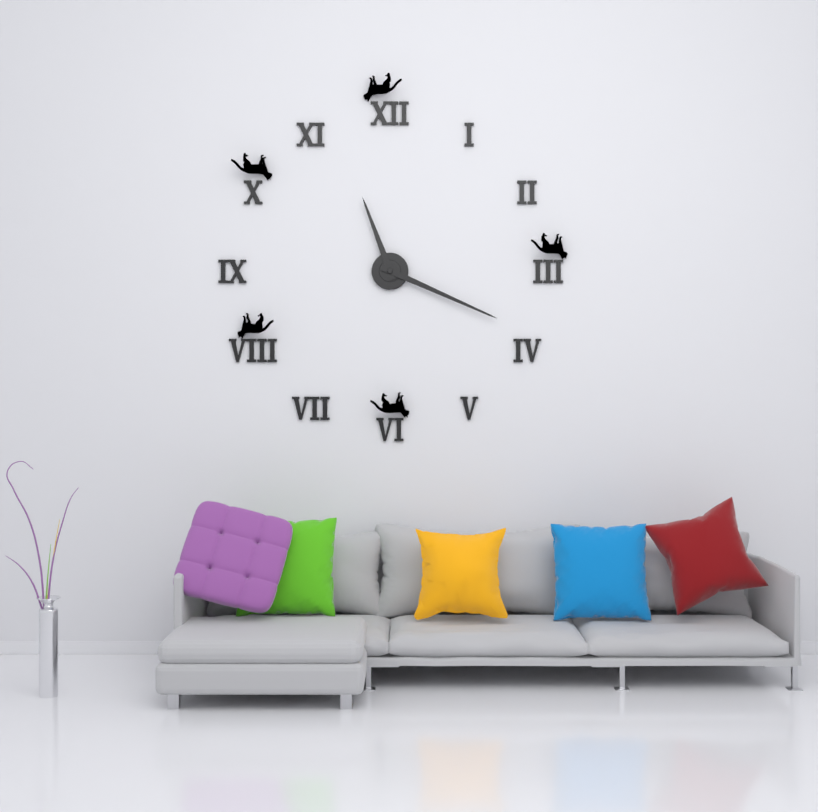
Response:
h=11 m=19
